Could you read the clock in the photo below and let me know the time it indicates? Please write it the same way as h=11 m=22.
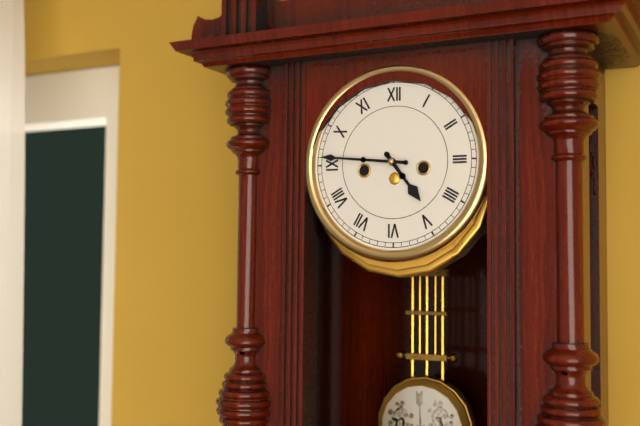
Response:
h=4 m=46
